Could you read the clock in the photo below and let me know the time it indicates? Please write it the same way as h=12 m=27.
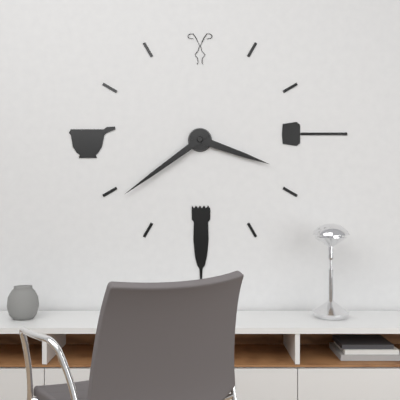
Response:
h=3 m=39
